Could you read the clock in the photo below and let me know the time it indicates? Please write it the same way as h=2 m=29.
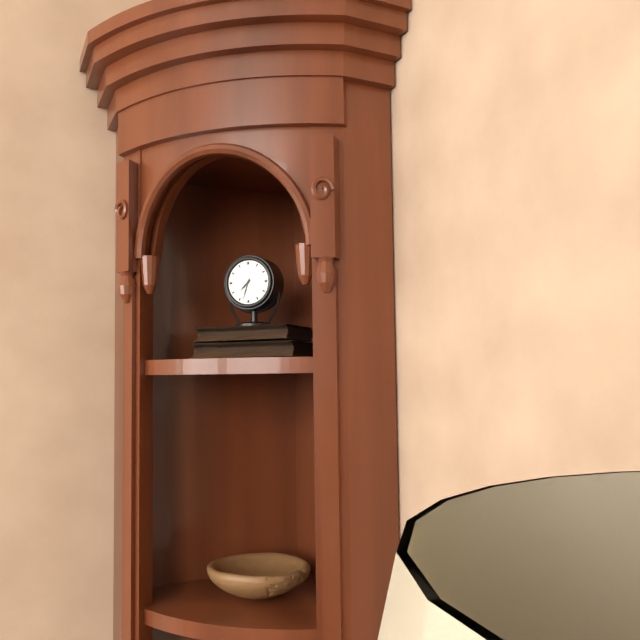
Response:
h=7 m=33
